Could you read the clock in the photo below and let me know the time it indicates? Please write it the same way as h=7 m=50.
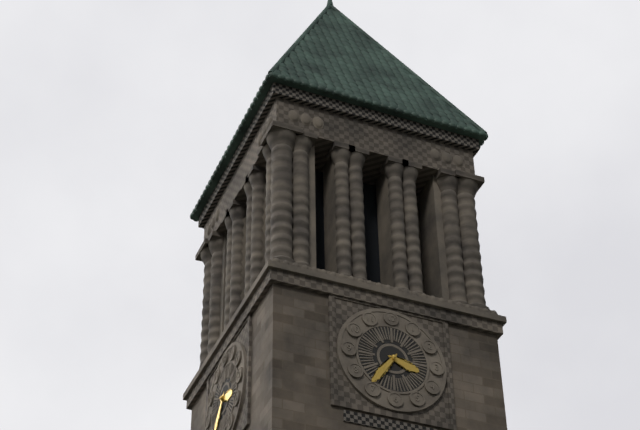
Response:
h=3 m=36
